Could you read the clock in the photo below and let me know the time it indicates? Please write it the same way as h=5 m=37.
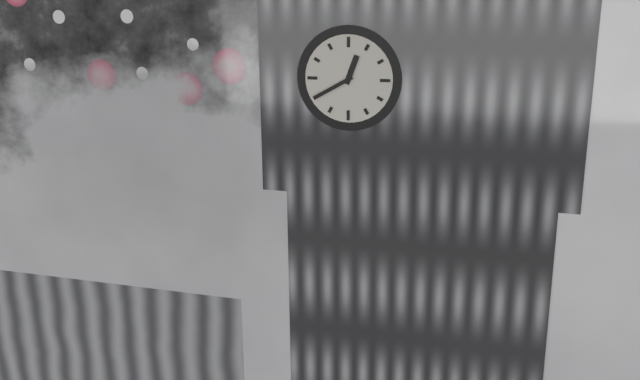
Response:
h=12 m=40
